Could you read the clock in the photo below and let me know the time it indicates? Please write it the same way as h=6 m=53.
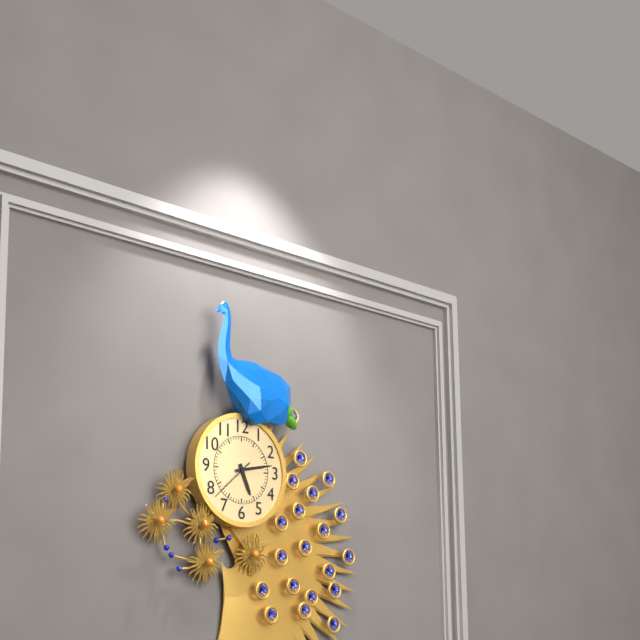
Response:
h=5 m=13
